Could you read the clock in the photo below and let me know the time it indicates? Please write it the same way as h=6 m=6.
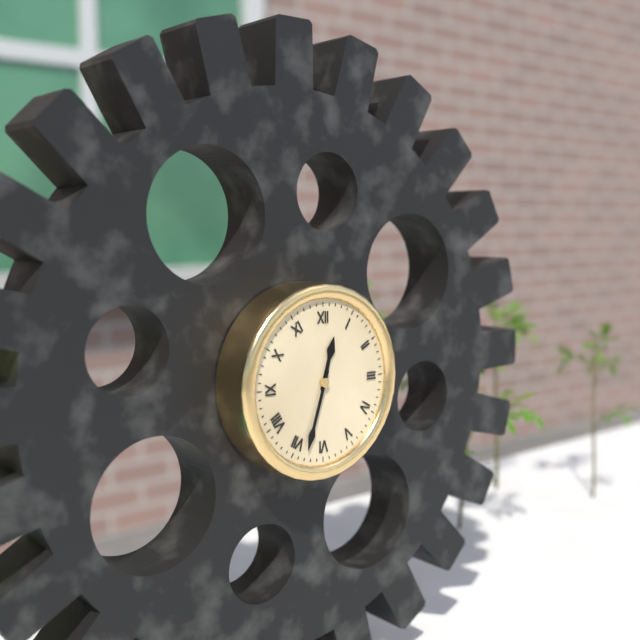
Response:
h=12 m=33
